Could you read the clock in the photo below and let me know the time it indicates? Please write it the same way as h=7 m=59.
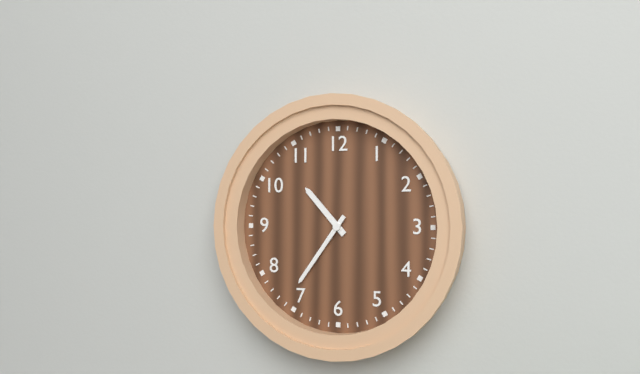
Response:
h=10 m=36
